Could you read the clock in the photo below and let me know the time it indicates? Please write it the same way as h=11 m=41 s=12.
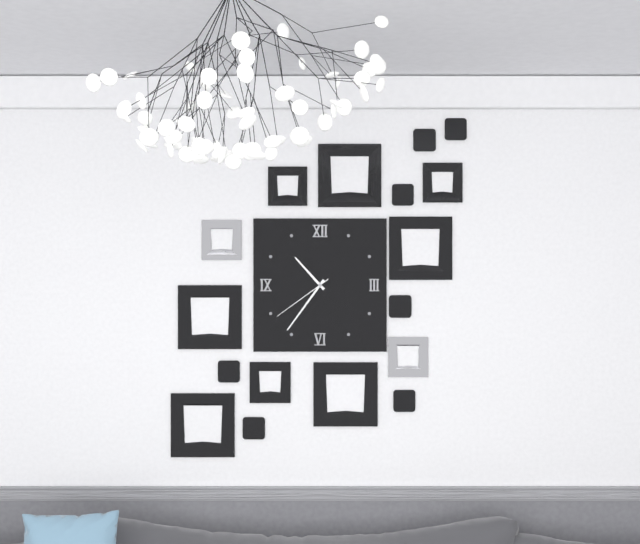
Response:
h=10 m=36 s=39
